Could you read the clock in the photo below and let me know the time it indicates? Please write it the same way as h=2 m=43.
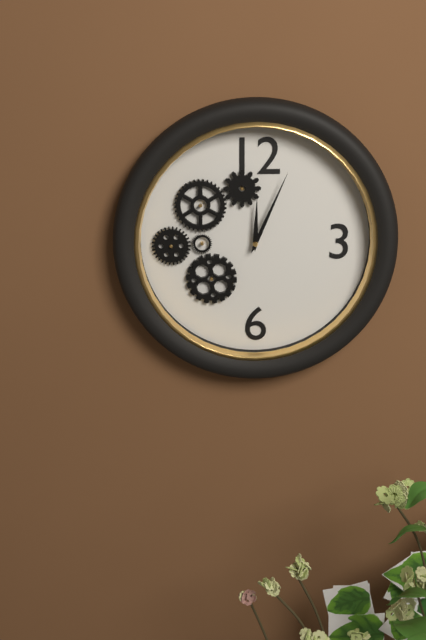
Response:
h=12 m=4
